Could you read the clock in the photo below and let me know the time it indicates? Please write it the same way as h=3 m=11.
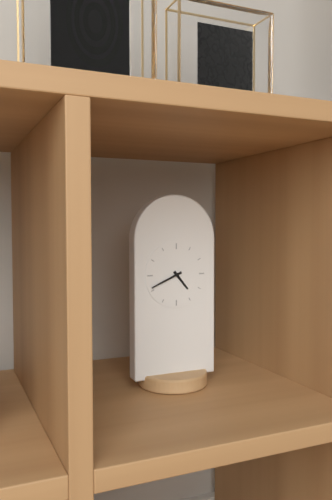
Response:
h=4 m=41
